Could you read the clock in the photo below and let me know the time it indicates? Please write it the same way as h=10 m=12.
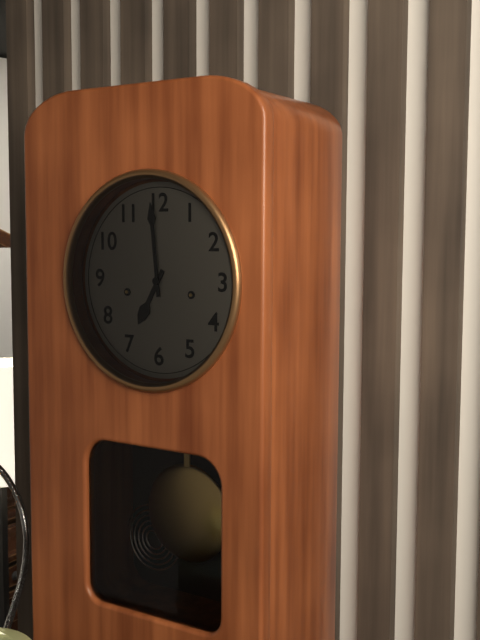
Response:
h=6 m=59
